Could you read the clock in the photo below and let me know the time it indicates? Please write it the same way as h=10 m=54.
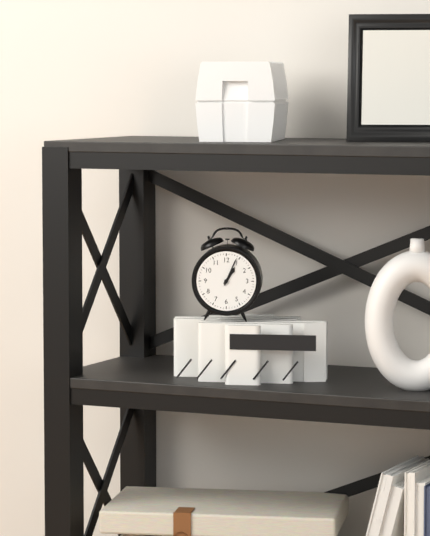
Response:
h=1 m=4
